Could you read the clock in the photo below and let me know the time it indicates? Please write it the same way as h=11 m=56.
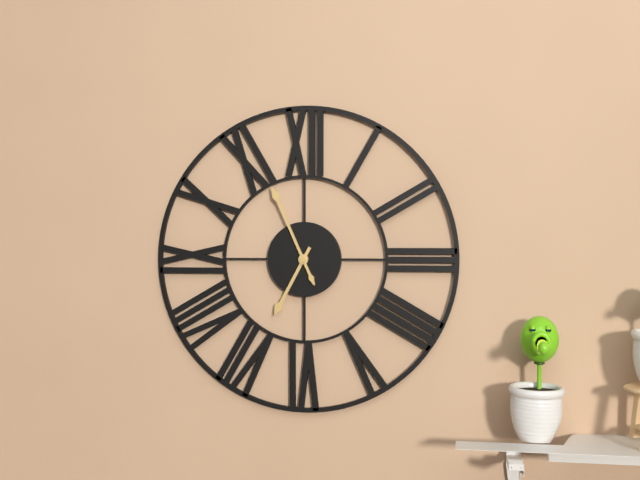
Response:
h=6 m=56
